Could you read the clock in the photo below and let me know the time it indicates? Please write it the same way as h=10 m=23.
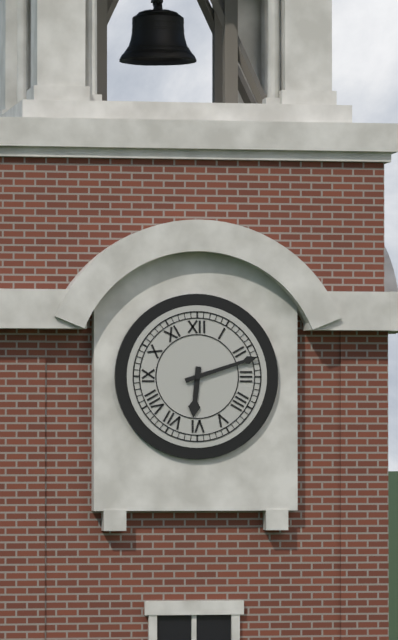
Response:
h=6 m=12
